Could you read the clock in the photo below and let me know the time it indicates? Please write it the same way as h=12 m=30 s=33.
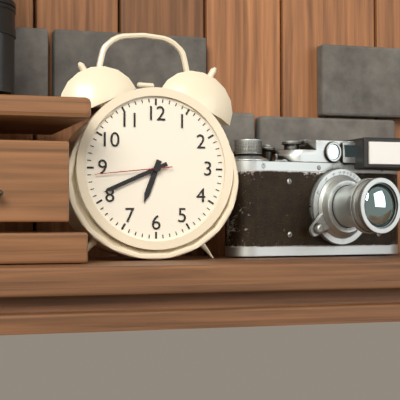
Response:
h=6 m=41 s=44
